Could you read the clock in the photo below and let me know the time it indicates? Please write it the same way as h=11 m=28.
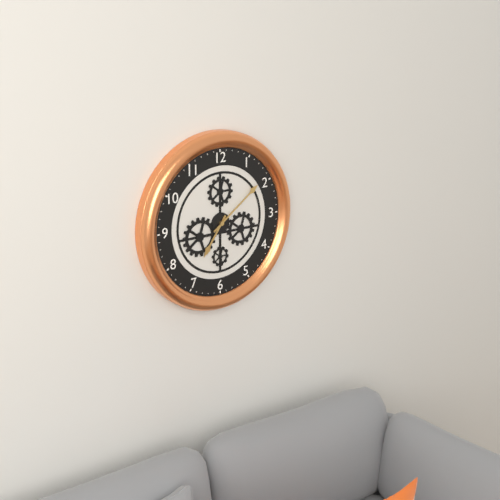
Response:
h=7 m=9
